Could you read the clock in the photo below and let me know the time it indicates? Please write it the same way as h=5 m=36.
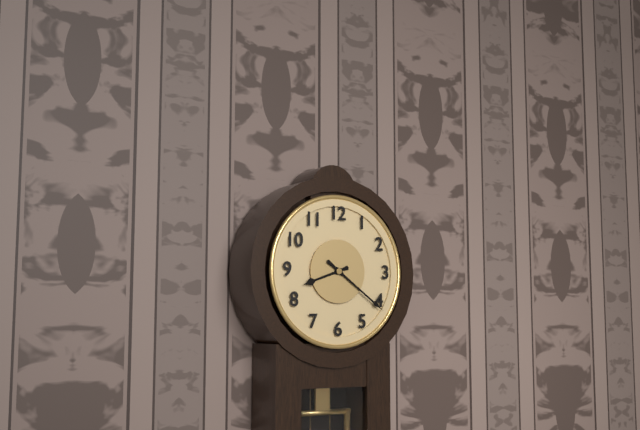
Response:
h=8 m=21
